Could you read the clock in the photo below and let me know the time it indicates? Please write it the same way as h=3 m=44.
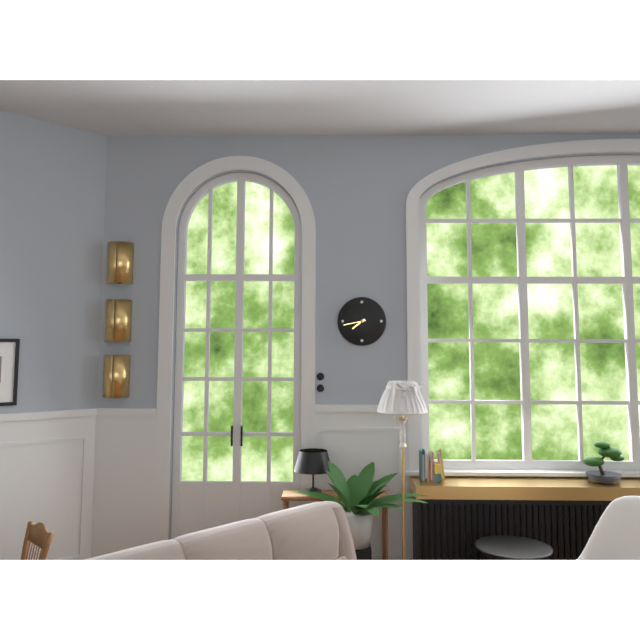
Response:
h=7 m=43
